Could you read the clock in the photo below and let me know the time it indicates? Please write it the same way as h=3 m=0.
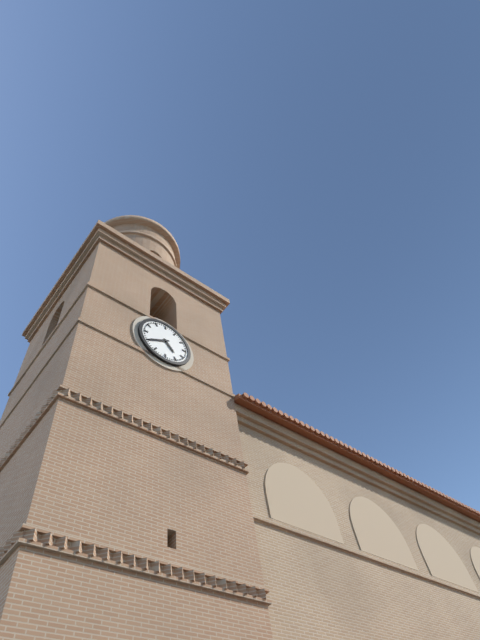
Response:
h=4 m=40
